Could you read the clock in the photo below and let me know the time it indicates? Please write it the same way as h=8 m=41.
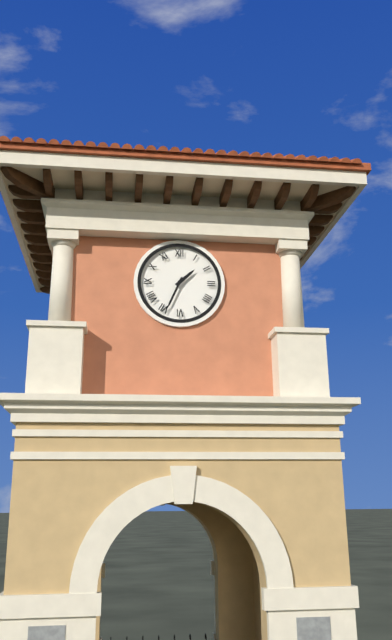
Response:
h=1 m=34
